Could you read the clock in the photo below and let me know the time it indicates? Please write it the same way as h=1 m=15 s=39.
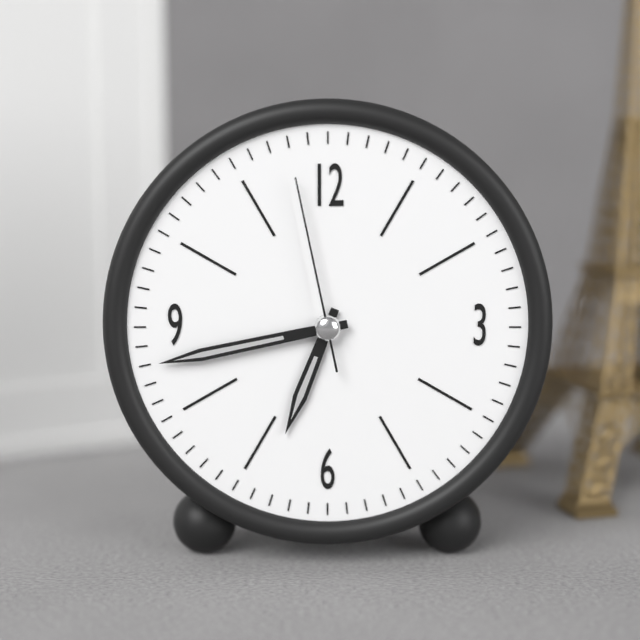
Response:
h=6 m=43 s=58
